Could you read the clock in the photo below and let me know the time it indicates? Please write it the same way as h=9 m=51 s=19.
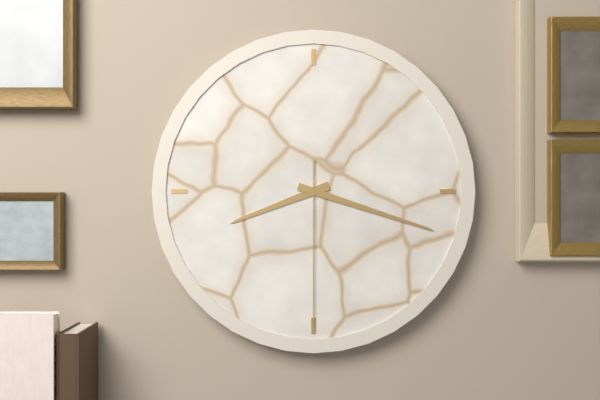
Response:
h=8 m=18 s=30
